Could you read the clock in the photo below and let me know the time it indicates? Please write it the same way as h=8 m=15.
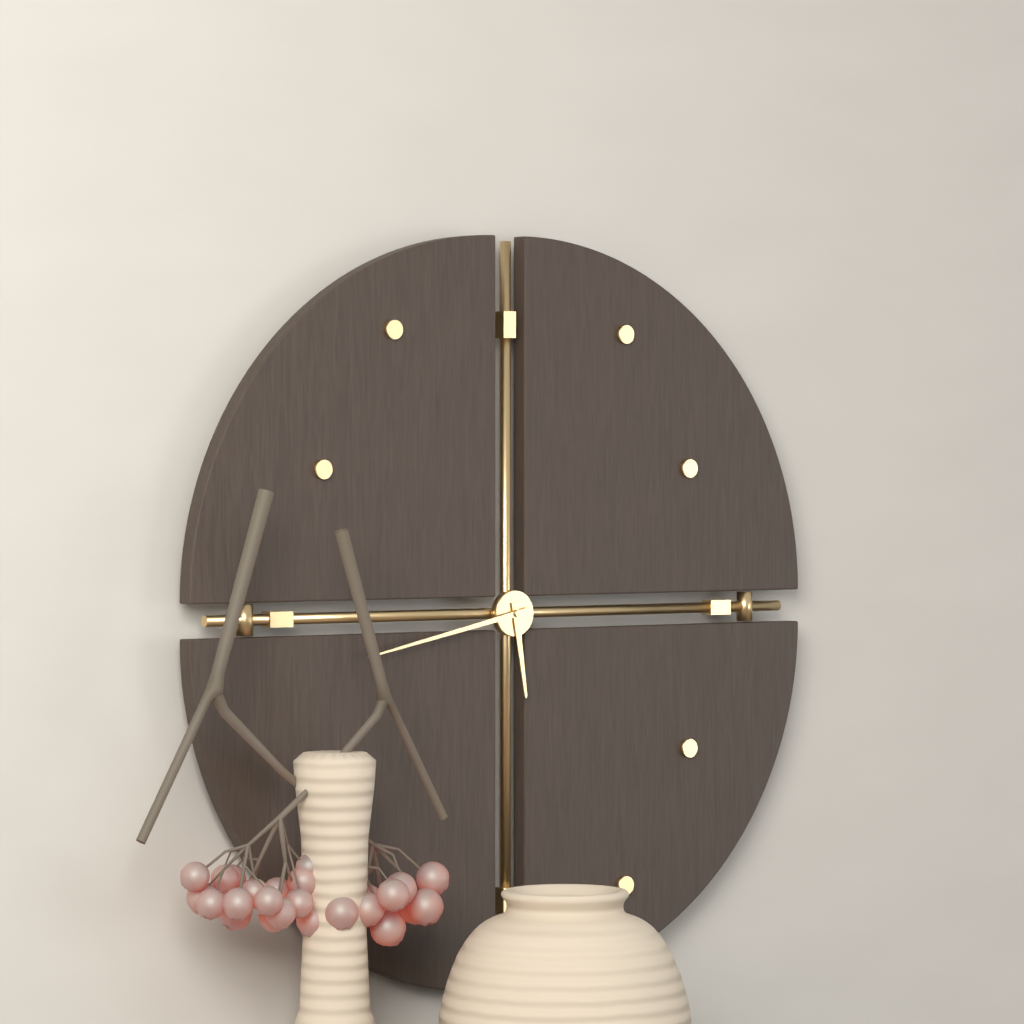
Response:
h=5 m=43
